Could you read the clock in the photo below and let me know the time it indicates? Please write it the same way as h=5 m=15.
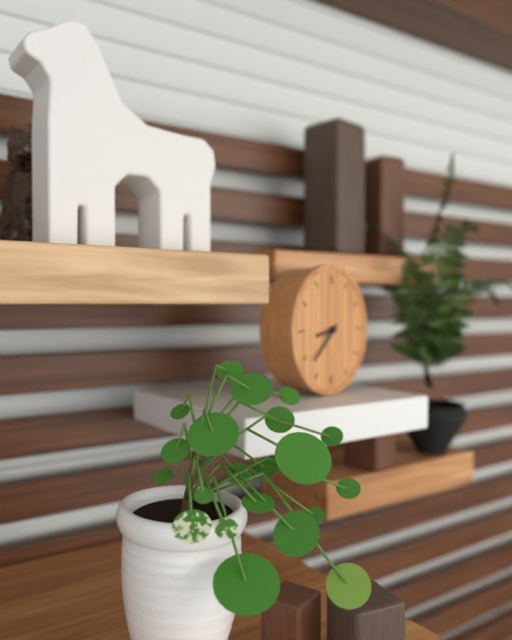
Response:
h=8 m=38
